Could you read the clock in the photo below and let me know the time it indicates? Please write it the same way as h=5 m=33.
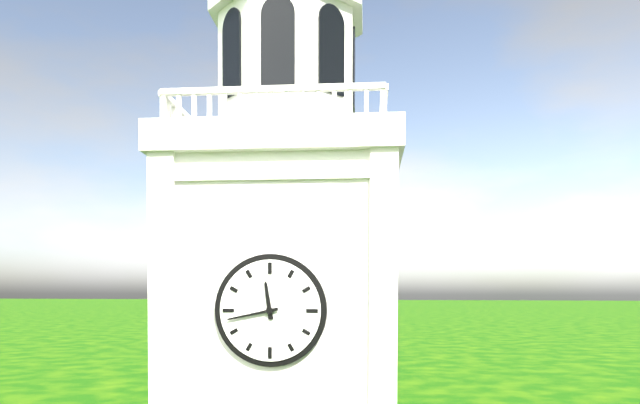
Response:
h=11 m=43
